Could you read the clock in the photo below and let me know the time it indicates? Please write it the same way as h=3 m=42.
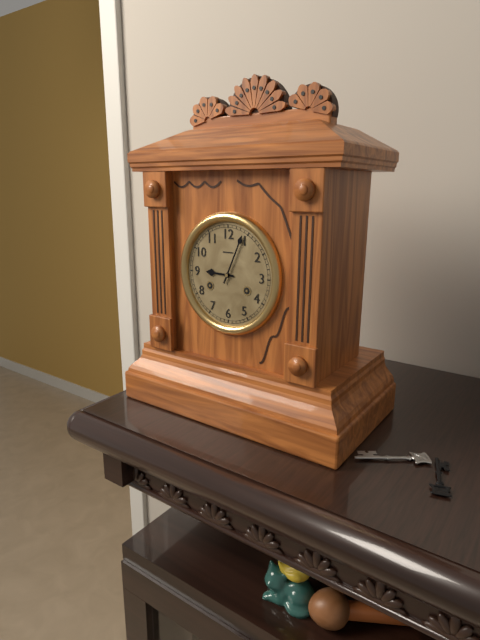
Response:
h=9 m=4
